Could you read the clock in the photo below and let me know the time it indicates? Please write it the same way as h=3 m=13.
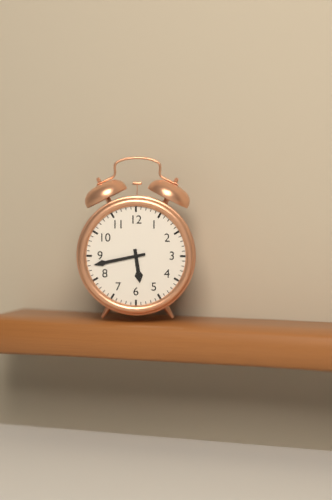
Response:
h=5 m=43
